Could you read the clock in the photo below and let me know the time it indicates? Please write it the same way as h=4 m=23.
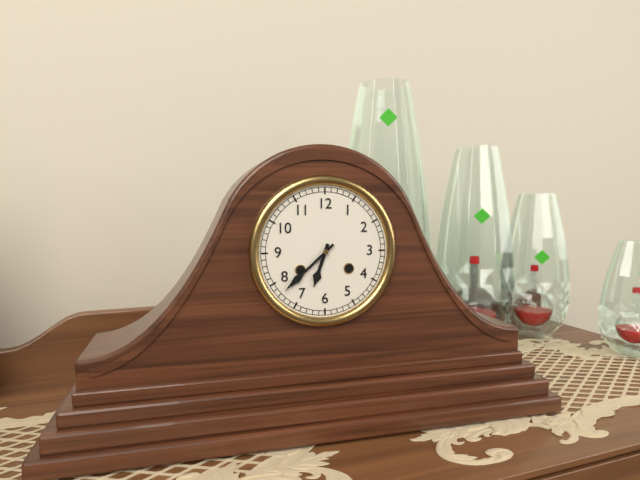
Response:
h=6 m=38
